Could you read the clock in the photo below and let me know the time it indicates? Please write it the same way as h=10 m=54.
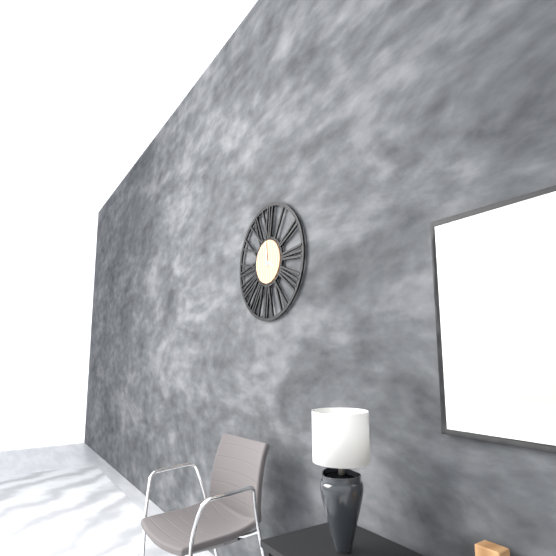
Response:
h=3 m=59
